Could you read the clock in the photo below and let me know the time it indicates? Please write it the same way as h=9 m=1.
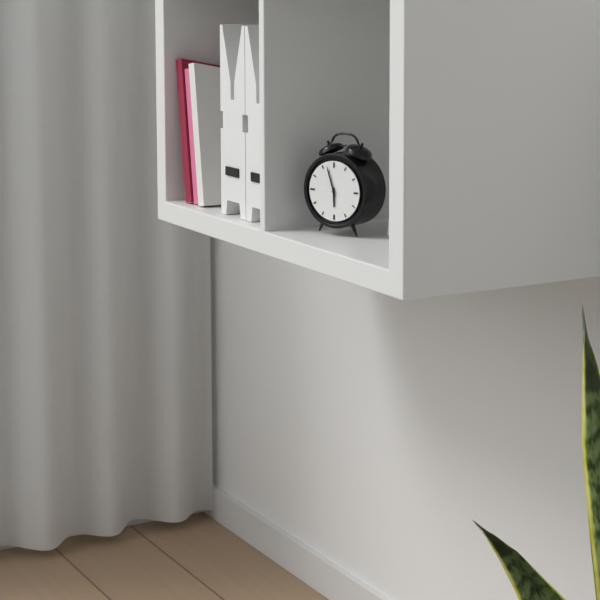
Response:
h=5 m=57
